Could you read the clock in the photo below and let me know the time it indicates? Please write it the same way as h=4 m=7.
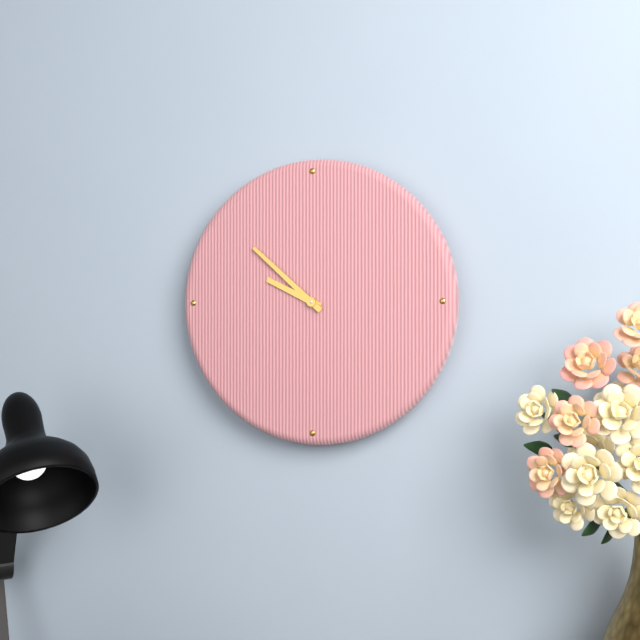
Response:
h=9 m=52
